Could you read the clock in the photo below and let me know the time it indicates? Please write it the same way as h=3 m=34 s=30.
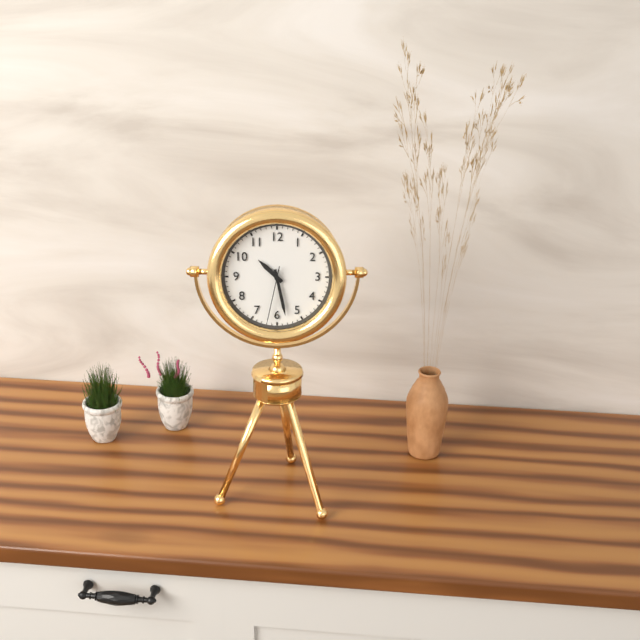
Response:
h=10 m=28 s=32
